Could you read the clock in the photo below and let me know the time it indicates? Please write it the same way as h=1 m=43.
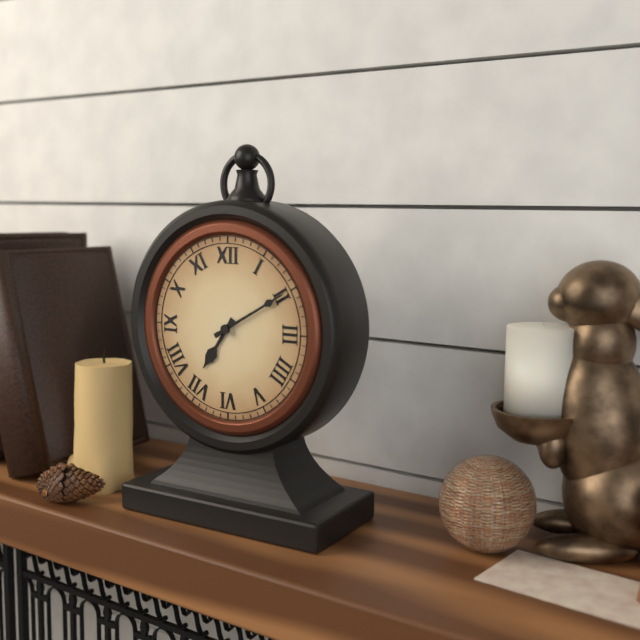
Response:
h=7 m=10
